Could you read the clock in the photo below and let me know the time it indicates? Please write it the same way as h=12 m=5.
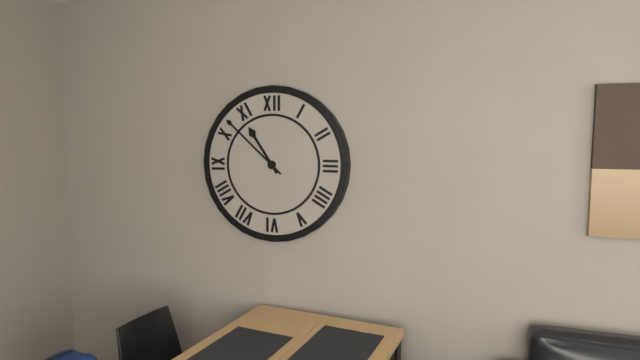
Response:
h=10 m=52
